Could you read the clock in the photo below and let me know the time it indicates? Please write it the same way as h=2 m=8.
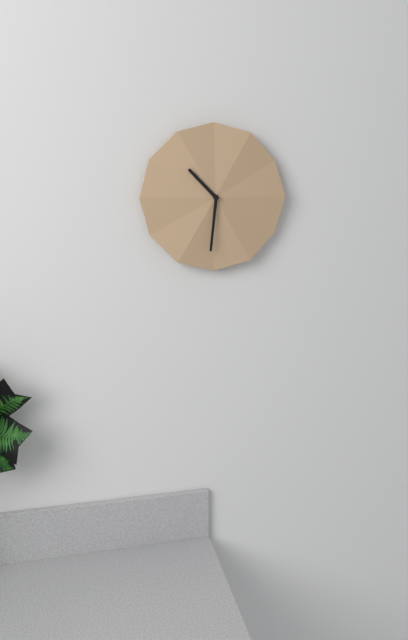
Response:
h=10 m=31
